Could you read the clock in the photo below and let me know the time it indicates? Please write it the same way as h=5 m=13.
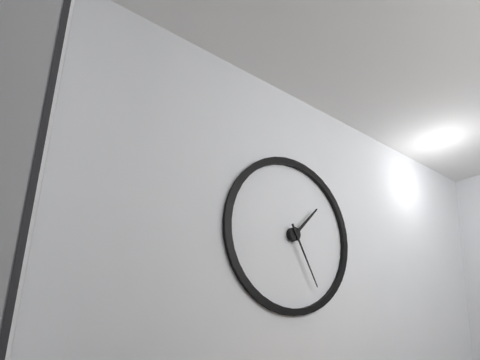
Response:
h=1 m=25
